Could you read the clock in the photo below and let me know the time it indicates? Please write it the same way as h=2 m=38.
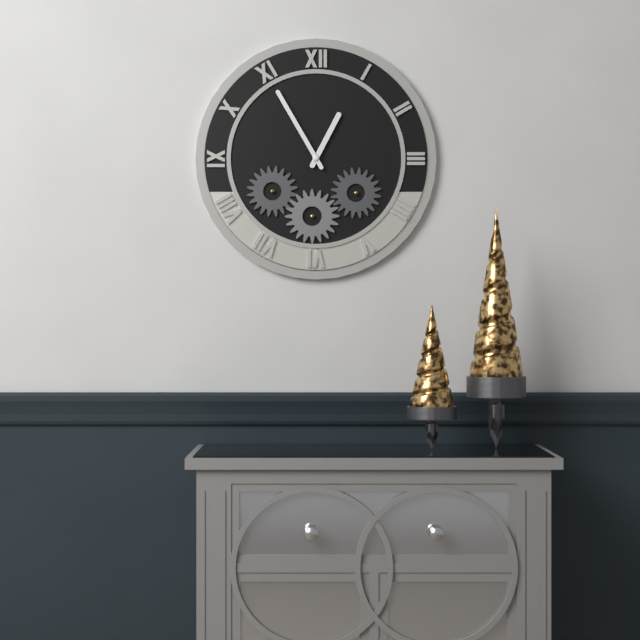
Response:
h=12 m=55
